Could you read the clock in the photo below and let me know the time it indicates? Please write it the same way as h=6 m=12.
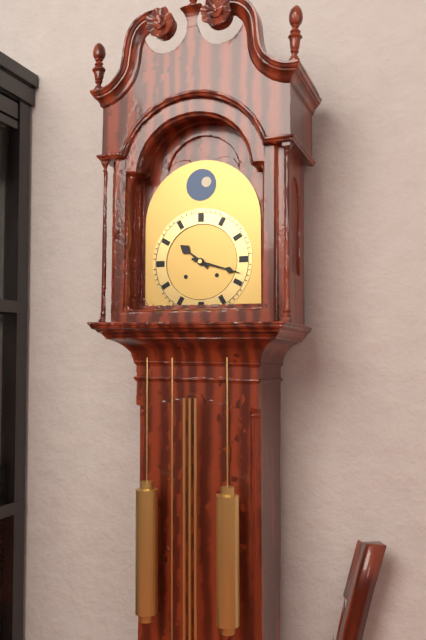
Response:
h=10 m=18
